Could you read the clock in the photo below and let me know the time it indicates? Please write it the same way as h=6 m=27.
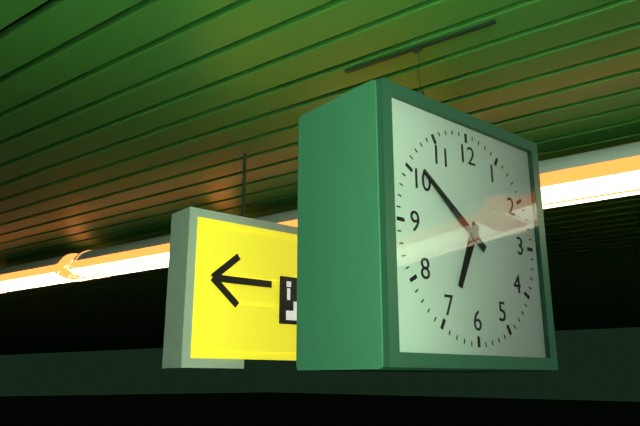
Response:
h=6 m=51
